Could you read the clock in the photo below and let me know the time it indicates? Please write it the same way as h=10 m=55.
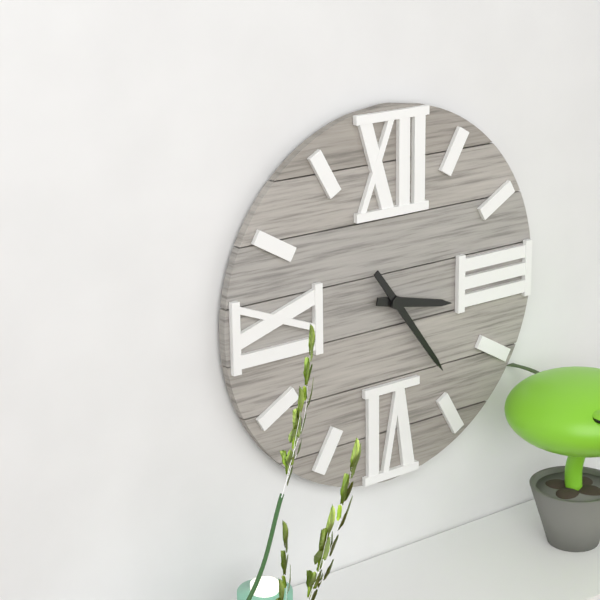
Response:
h=3 m=24
